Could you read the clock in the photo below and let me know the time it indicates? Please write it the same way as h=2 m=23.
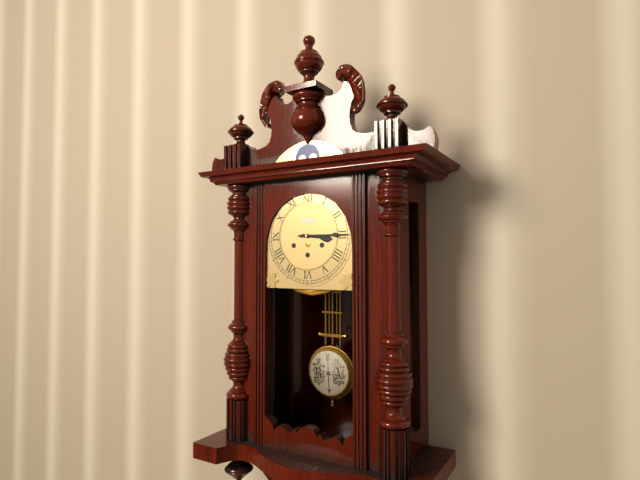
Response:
h=3 m=15
